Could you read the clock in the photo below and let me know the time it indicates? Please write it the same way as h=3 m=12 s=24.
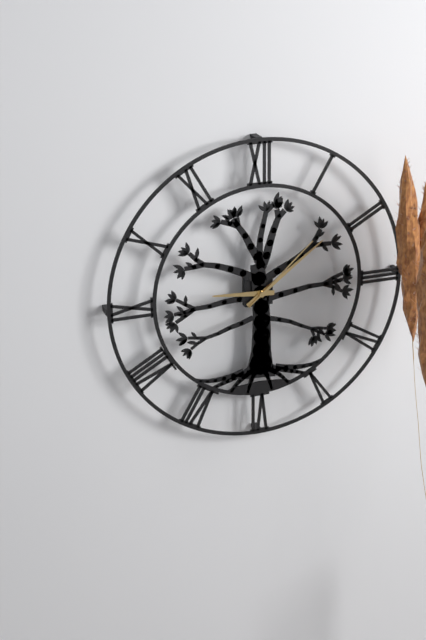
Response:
h=9 m=9 s=8
